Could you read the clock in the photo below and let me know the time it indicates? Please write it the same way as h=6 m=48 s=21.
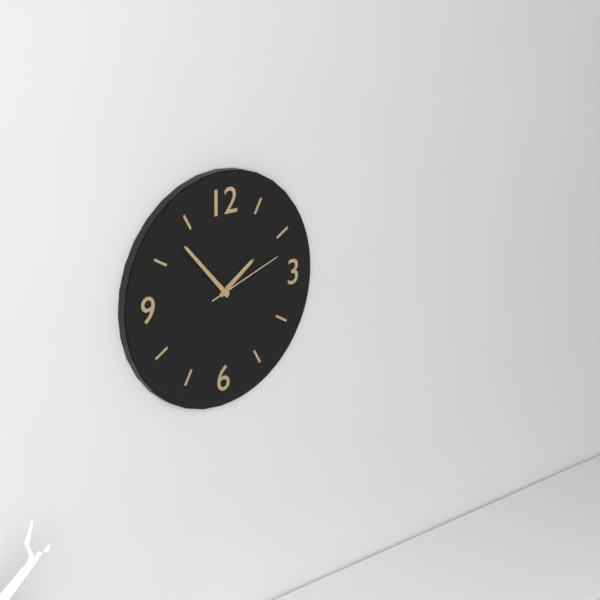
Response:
h=1 m=53 s=12
